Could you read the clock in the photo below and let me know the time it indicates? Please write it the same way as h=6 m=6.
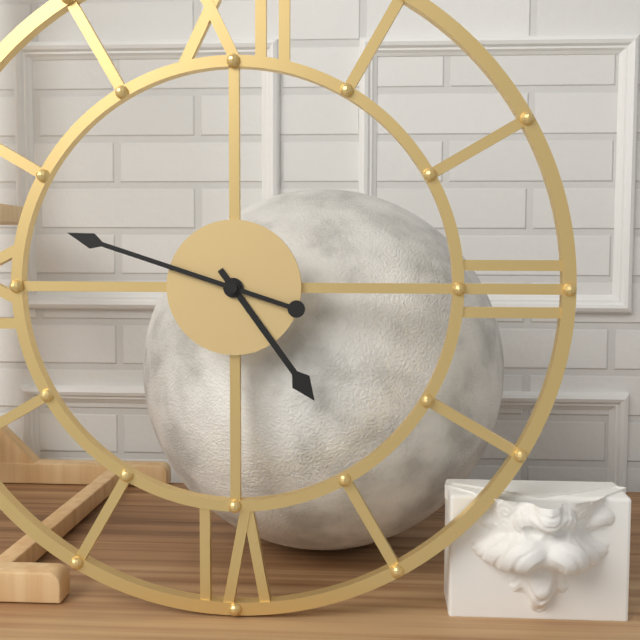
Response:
h=4 m=48
